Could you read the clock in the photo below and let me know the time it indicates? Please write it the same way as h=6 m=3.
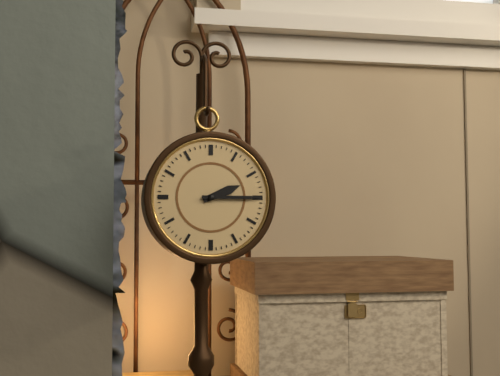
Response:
h=2 m=15
